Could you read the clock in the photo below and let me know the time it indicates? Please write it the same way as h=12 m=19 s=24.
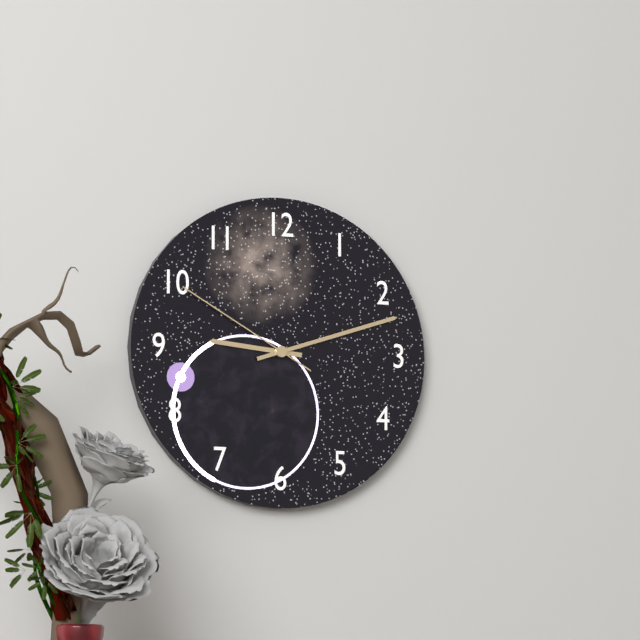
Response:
h=9 m=12 s=50
